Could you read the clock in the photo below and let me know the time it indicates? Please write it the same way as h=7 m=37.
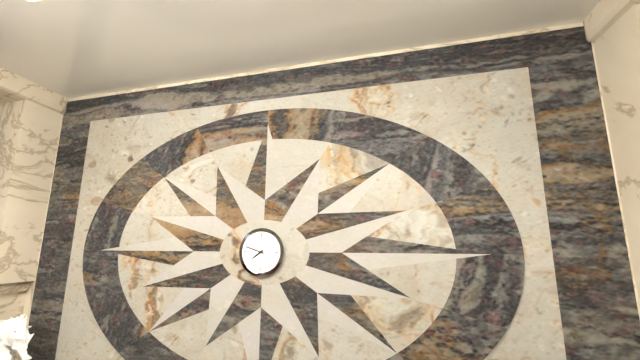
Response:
h=7 m=48
